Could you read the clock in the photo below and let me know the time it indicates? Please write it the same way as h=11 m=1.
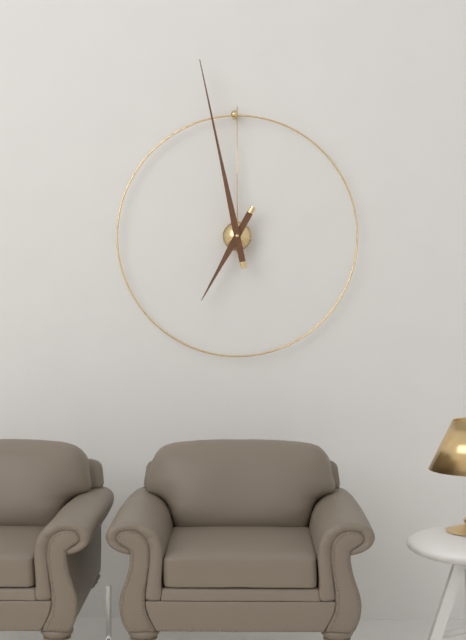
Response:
h=6 m=58
